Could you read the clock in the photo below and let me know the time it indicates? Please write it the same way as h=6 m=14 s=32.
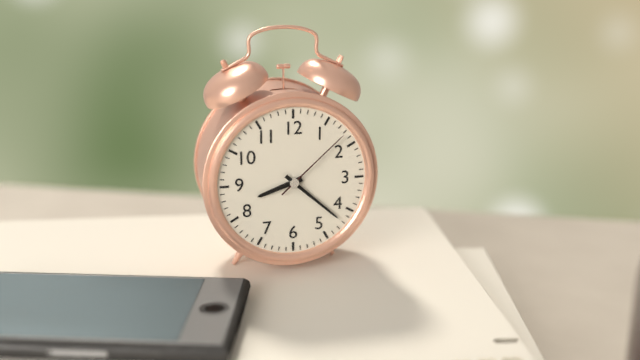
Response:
h=8 m=22 s=8
